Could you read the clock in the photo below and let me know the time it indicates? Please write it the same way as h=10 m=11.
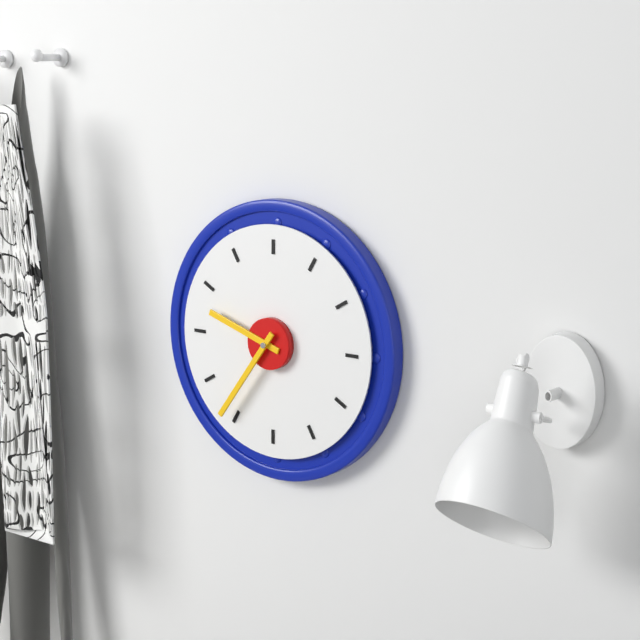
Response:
h=9 m=36
